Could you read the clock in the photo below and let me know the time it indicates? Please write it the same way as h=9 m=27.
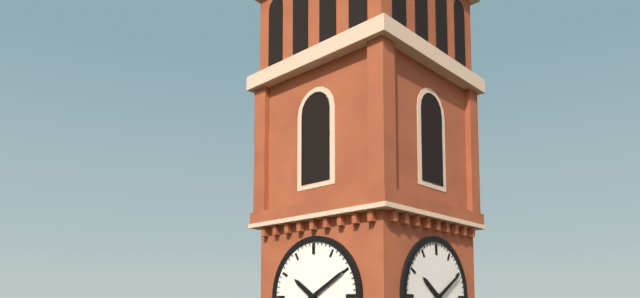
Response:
h=10 m=10
